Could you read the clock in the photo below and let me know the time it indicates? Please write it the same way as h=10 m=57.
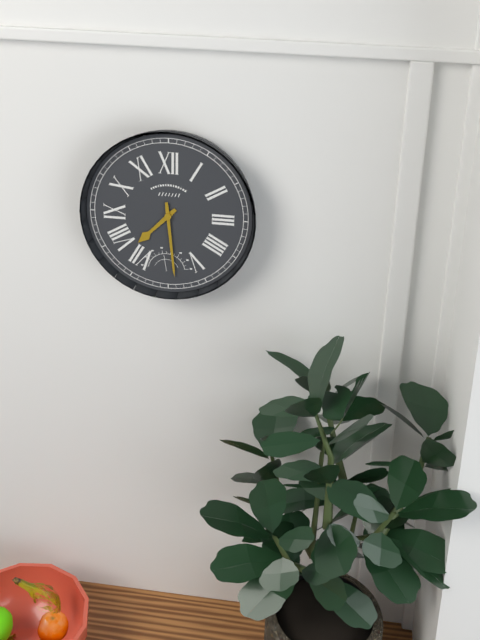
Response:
h=7 m=29
